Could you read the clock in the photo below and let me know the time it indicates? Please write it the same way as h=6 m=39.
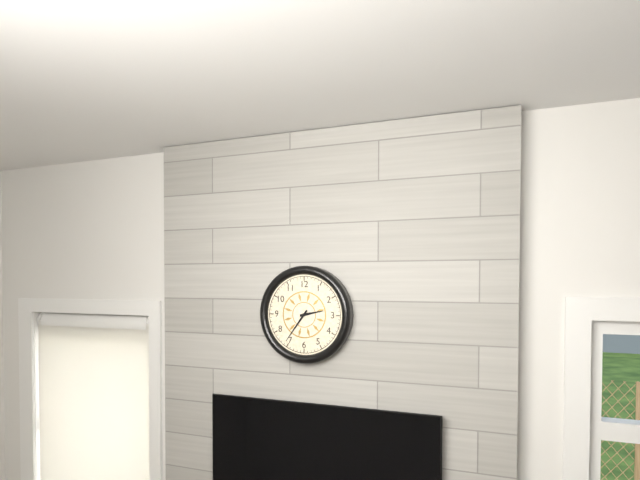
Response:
h=2 m=36
